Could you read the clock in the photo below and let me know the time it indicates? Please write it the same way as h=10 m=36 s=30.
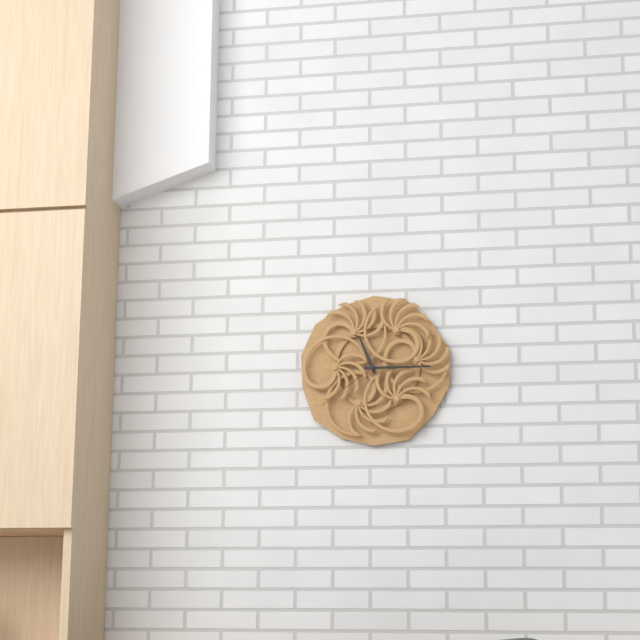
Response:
h=11 m=15 s=39
